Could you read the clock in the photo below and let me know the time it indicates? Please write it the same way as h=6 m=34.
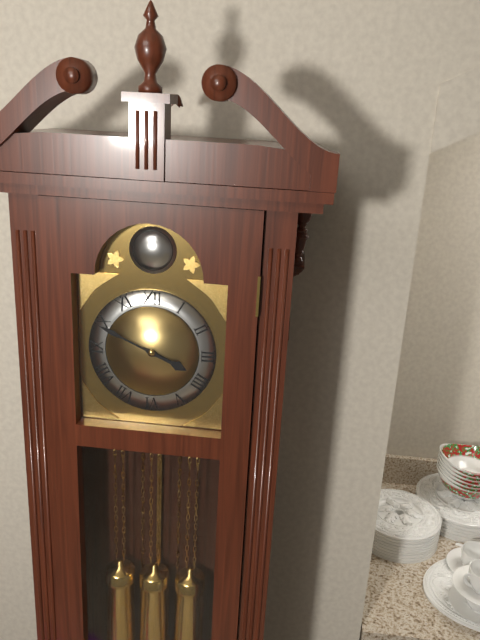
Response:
h=3 m=49
